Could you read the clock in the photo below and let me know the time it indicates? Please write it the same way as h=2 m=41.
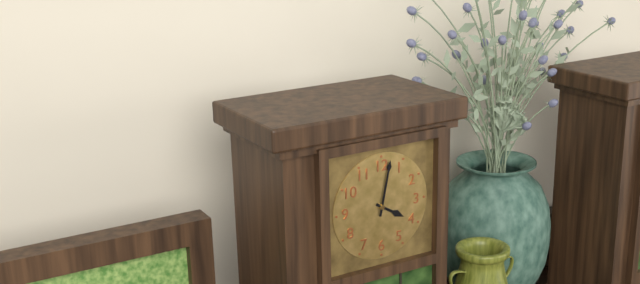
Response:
h=4 m=2
